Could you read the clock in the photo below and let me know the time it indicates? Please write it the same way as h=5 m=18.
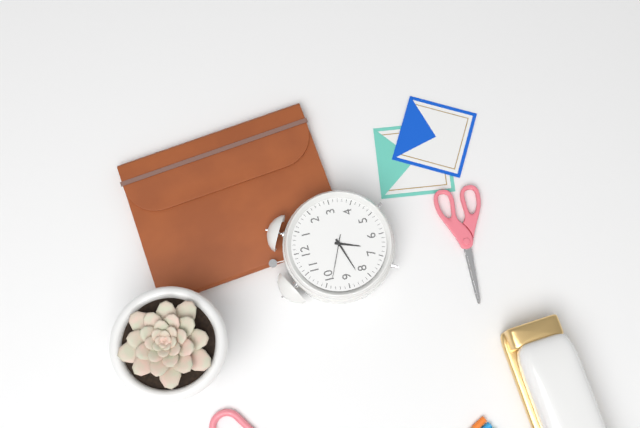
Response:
h=6 m=42
